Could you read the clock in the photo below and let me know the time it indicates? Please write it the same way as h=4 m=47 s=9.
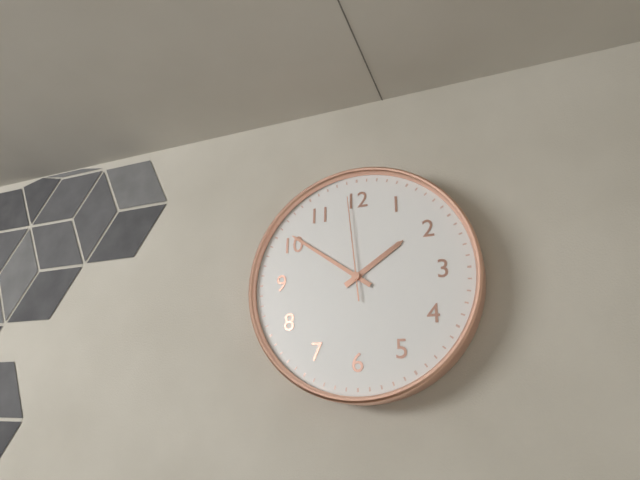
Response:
h=1 m=51 s=59
